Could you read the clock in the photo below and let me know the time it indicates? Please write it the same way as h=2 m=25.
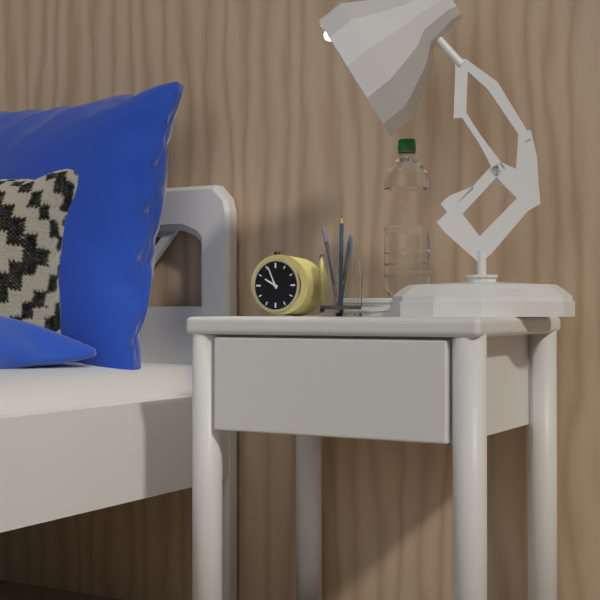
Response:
h=9 m=56
